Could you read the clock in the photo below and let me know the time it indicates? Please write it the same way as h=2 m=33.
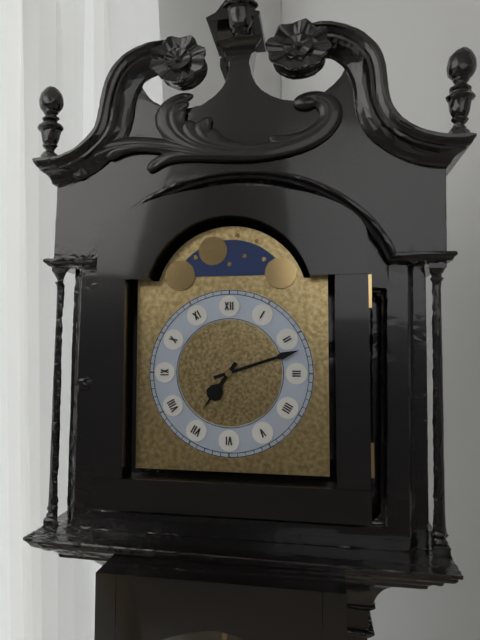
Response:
h=7 m=12
